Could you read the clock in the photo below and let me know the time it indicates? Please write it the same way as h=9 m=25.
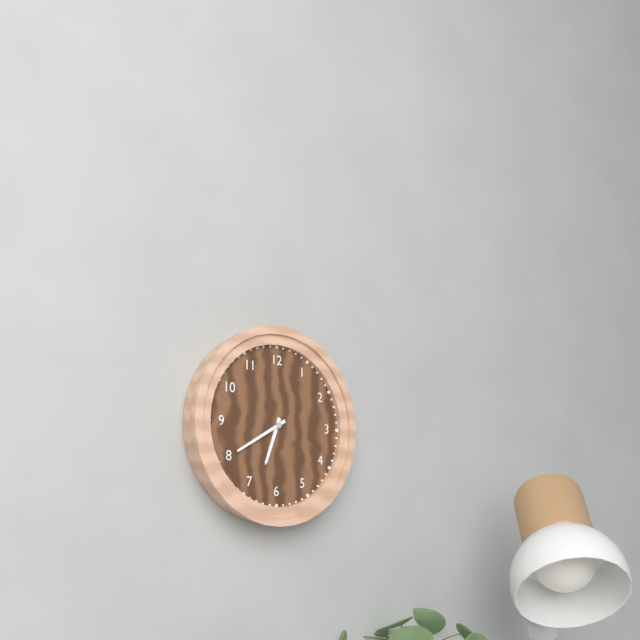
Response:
h=6 m=40
